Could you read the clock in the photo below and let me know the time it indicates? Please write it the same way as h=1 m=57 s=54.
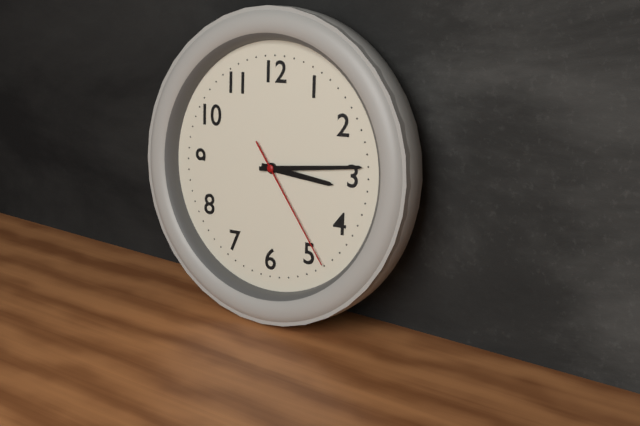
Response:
h=3 m=14 s=24
